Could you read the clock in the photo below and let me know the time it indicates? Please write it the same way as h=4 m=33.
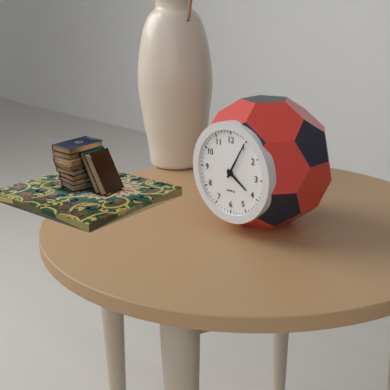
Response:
h=4 m=5
